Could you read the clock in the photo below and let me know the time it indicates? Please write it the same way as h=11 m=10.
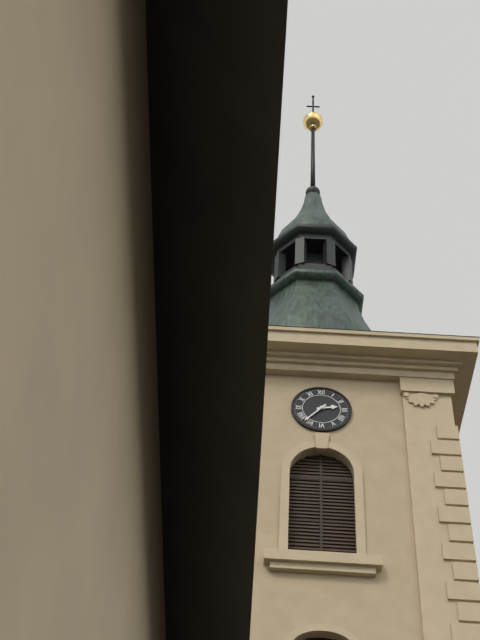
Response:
h=2 m=37
